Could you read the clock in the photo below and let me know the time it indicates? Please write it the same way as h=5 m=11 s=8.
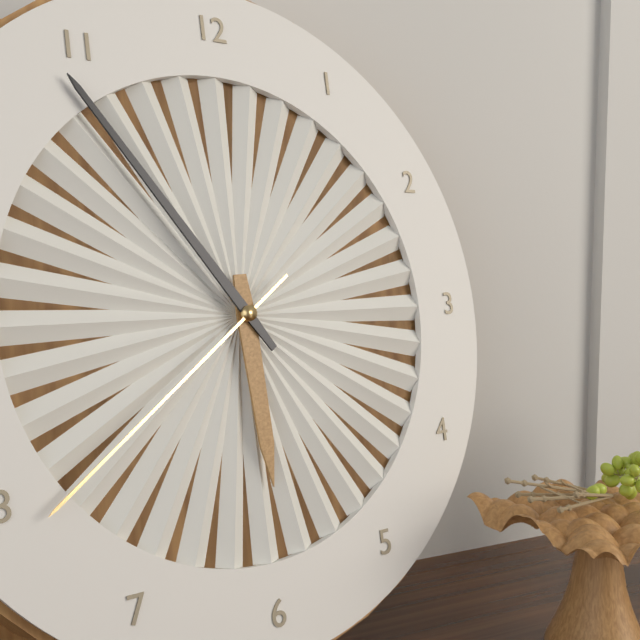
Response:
h=5 m=54 s=39
